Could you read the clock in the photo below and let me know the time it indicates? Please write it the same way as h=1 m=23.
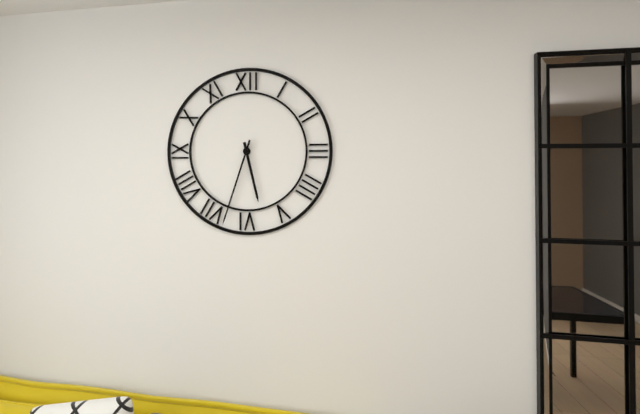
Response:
h=5 m=33
